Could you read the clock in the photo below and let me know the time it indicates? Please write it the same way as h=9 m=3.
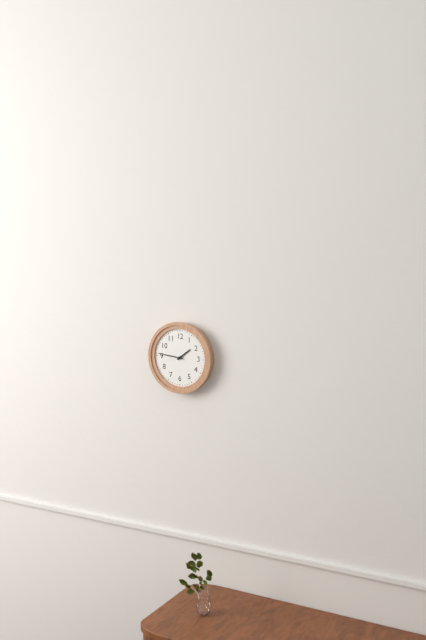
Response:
h=1 m=46
